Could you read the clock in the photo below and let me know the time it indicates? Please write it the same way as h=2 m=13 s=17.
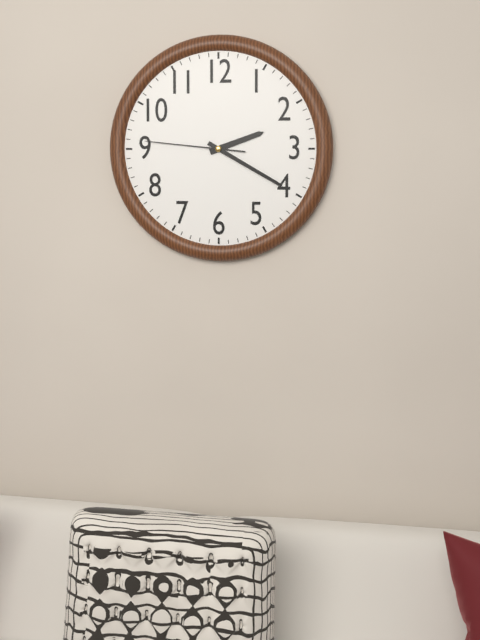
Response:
h=2 m=20 s=46
